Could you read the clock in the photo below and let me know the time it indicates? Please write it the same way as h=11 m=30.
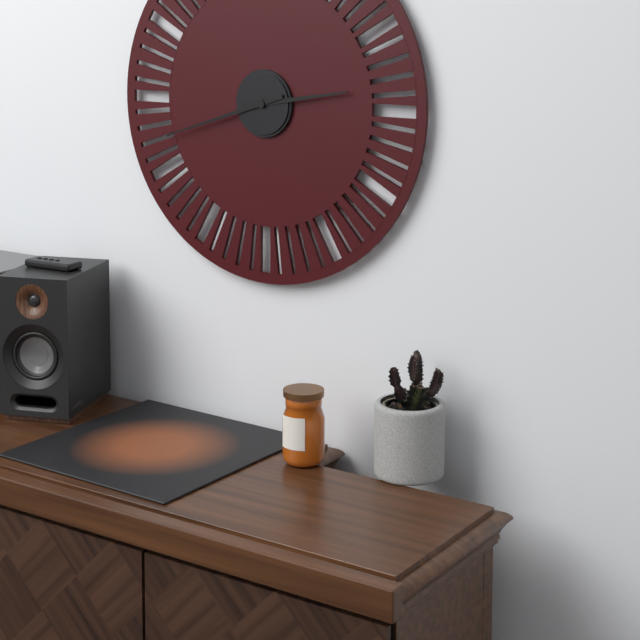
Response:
h=2 m=42
